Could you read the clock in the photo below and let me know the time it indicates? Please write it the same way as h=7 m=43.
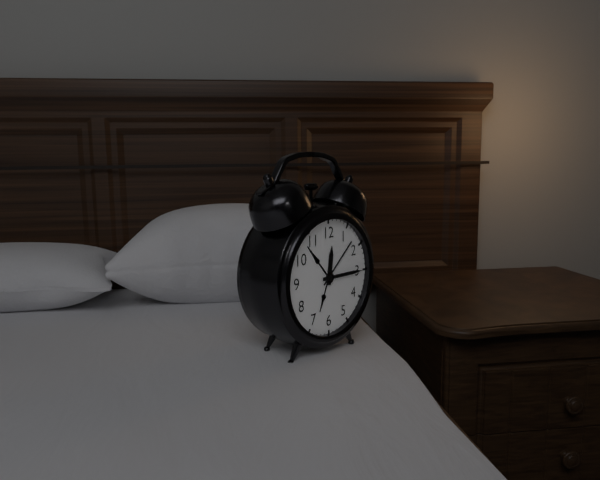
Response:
h=12 m=15
